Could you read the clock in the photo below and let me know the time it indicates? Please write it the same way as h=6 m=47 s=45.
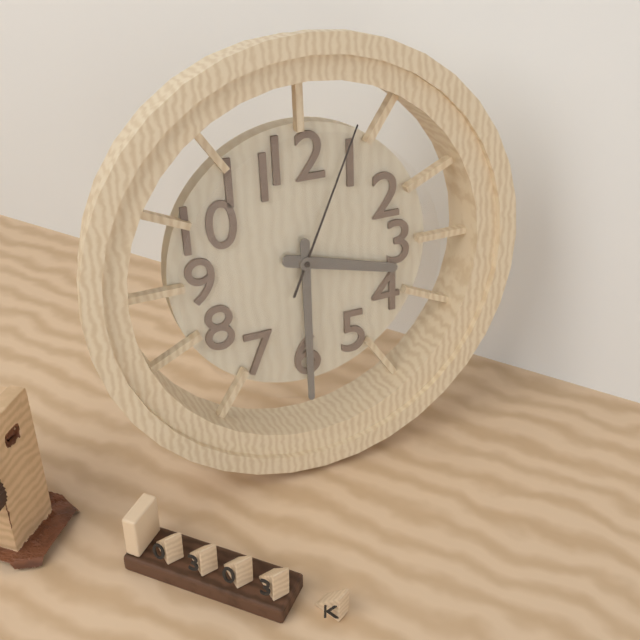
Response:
h=3 m=30 s=4
